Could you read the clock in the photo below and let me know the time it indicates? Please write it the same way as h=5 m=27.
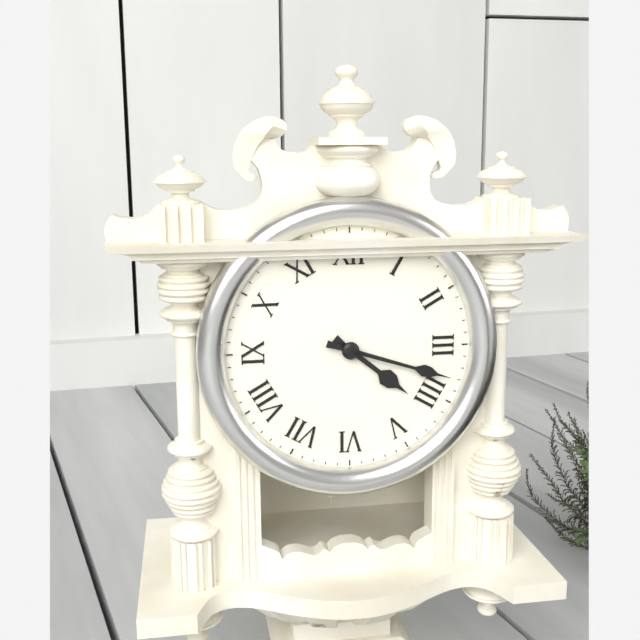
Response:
h=4 m=18
